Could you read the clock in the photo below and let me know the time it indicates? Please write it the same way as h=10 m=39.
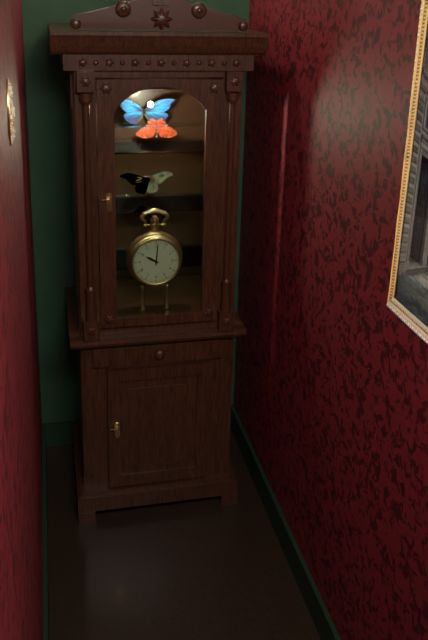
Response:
h=10 m=1
